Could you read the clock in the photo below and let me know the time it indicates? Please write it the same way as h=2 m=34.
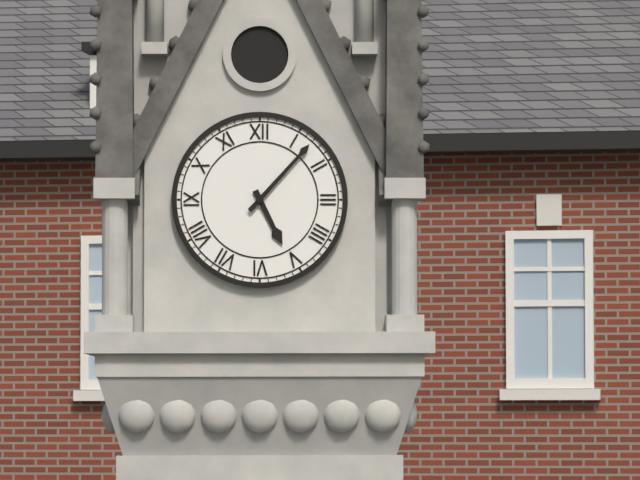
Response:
h=5 m=7
